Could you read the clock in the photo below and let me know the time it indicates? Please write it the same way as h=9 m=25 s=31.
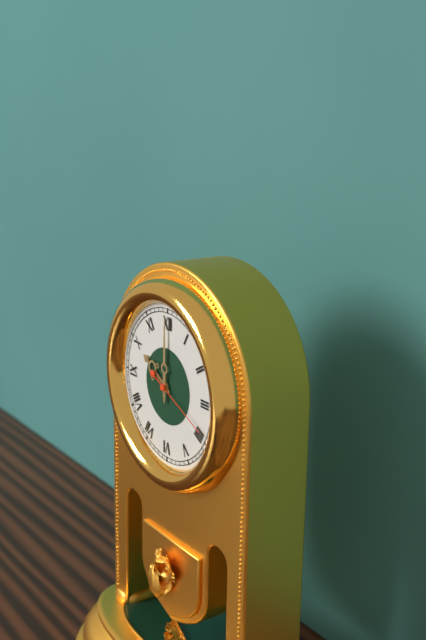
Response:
h=10 m=0 s=19
